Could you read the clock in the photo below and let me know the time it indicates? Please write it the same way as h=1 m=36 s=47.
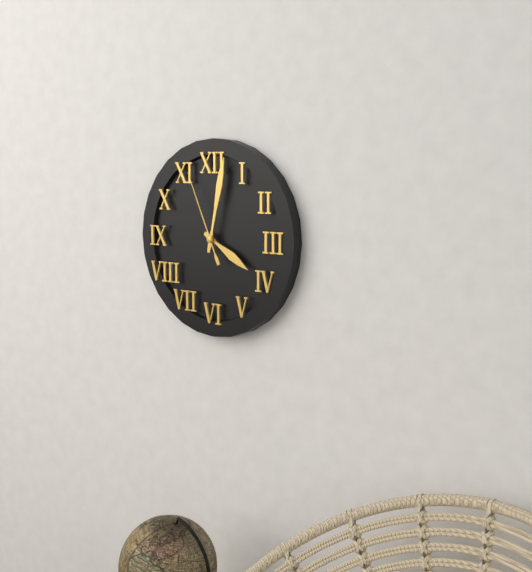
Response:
h=4 m=2 s=56
